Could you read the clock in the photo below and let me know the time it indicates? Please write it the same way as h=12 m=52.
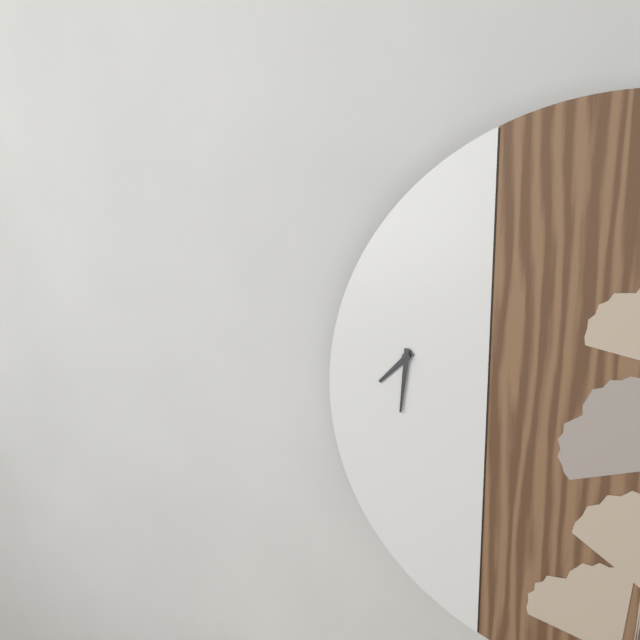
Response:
h=7 m=31
